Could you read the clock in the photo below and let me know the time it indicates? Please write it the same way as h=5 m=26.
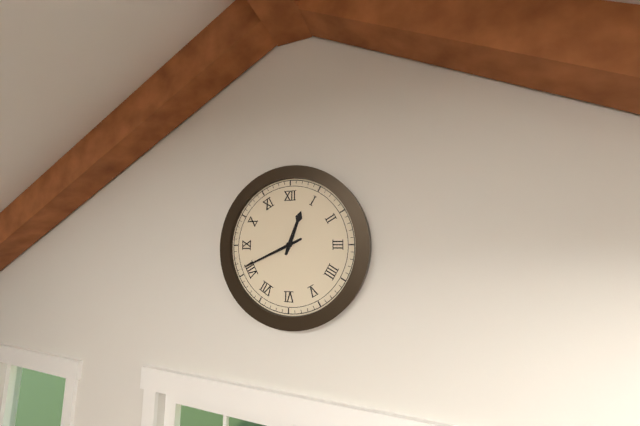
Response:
h=12 m=41
